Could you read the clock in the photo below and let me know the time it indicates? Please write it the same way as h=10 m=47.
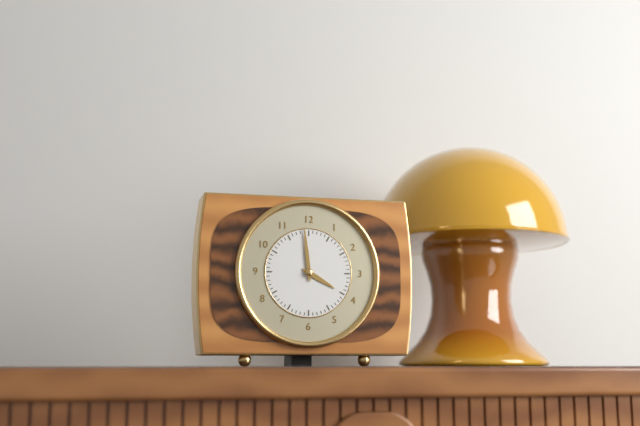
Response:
h=3 m=59
